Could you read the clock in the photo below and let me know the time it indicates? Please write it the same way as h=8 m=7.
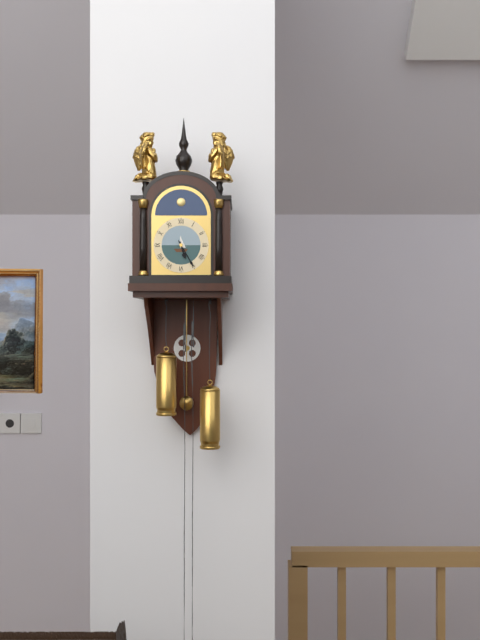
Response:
h=5 m=25
